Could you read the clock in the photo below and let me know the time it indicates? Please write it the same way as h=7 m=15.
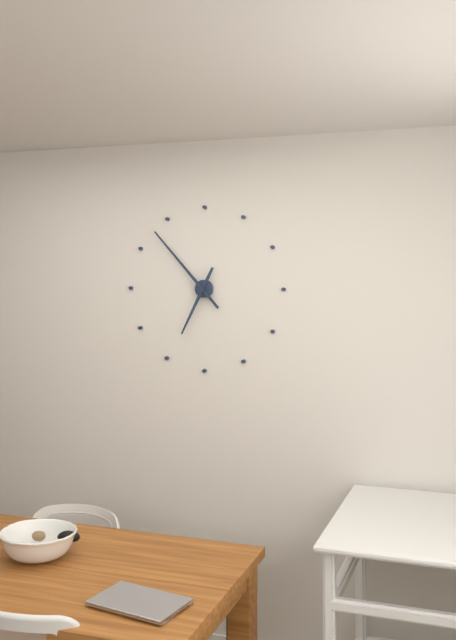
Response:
h=6 m=53
